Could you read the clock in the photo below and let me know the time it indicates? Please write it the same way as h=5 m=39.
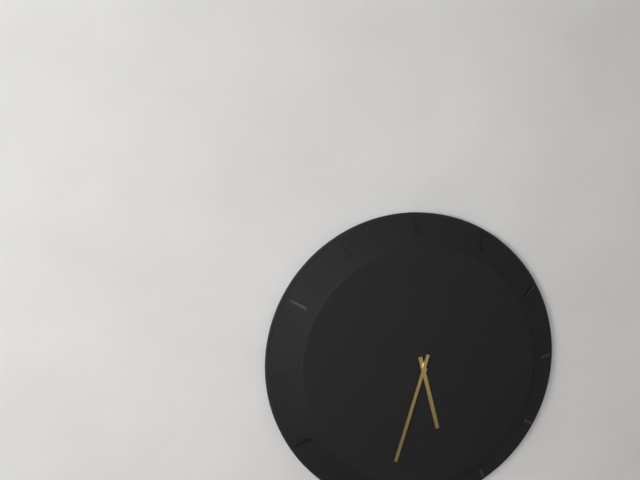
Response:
h=5 m=33
